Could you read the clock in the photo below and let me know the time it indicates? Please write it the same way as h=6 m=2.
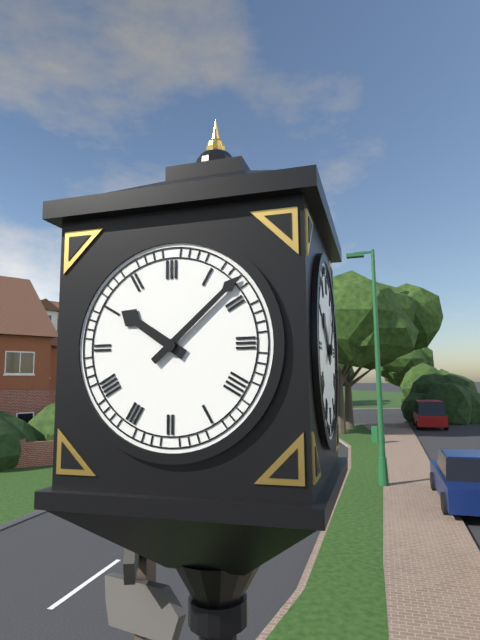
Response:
h=10 m=8
